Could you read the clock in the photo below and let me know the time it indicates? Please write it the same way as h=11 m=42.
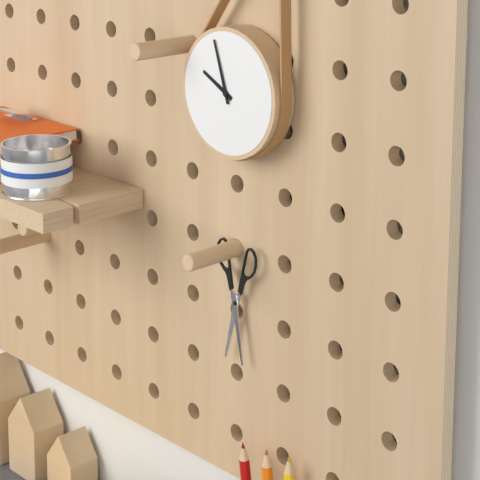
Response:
h=9 m=57
